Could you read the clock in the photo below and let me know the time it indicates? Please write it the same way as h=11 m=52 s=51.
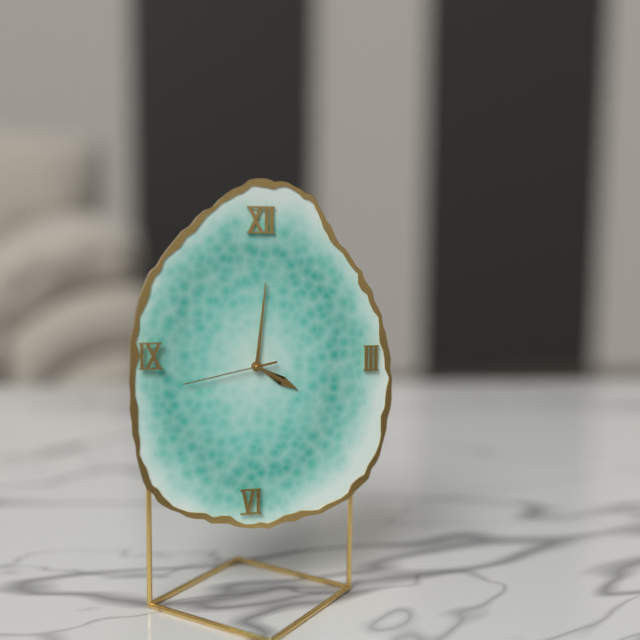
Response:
h=4 m=1 s=43
